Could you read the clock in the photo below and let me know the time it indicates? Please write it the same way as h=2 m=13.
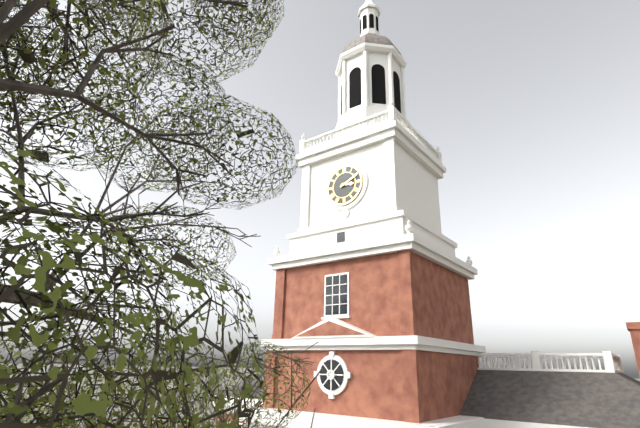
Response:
h=3 m=11
